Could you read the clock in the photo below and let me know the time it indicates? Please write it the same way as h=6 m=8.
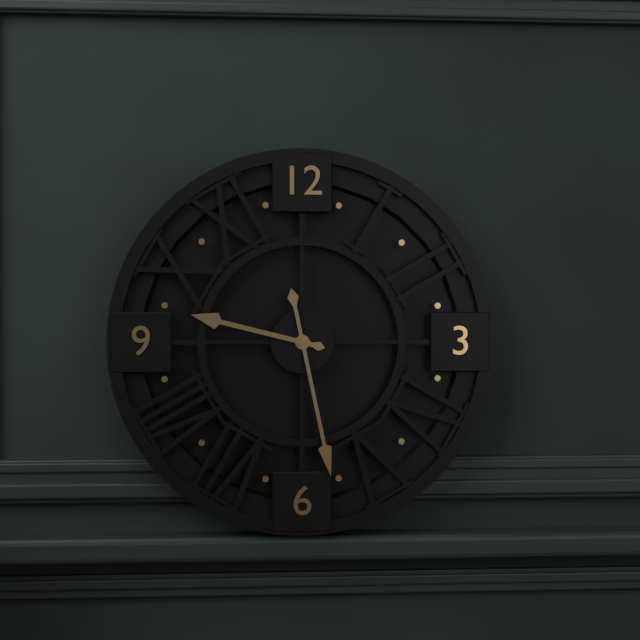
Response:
h=9 m=28
